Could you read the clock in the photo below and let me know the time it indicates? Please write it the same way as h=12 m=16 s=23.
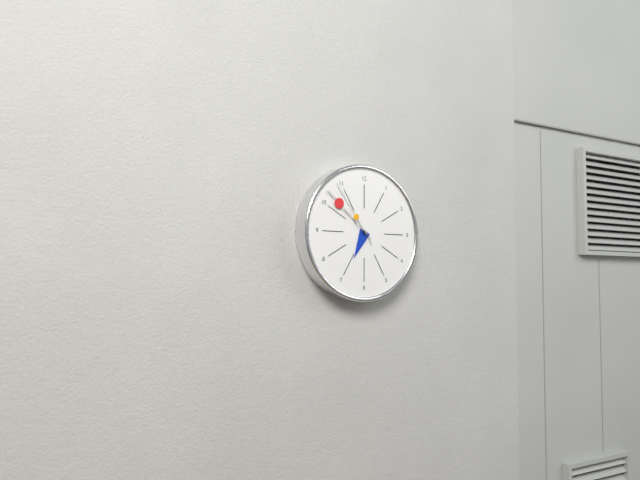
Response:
h=6 m=52 s=54
